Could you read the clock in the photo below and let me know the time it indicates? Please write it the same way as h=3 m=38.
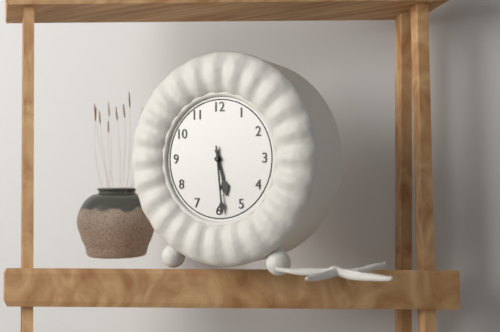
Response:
h=5 m=29
